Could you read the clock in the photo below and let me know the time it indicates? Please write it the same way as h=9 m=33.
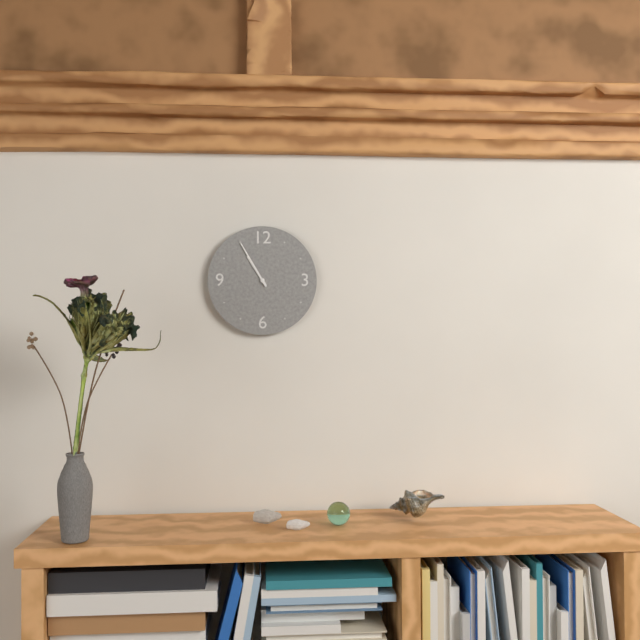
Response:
h=10 m=55
